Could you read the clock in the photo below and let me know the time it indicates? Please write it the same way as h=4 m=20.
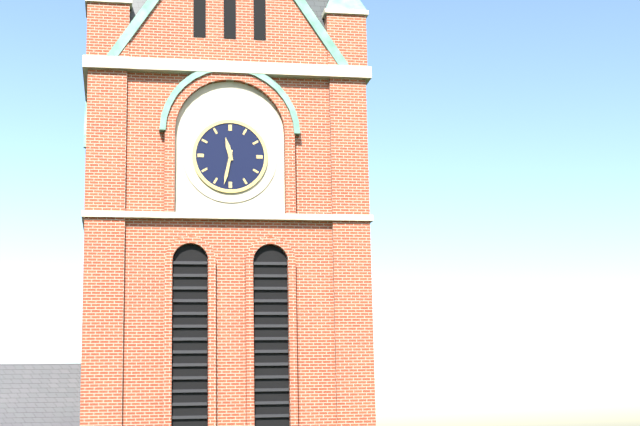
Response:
h=11 m=32
